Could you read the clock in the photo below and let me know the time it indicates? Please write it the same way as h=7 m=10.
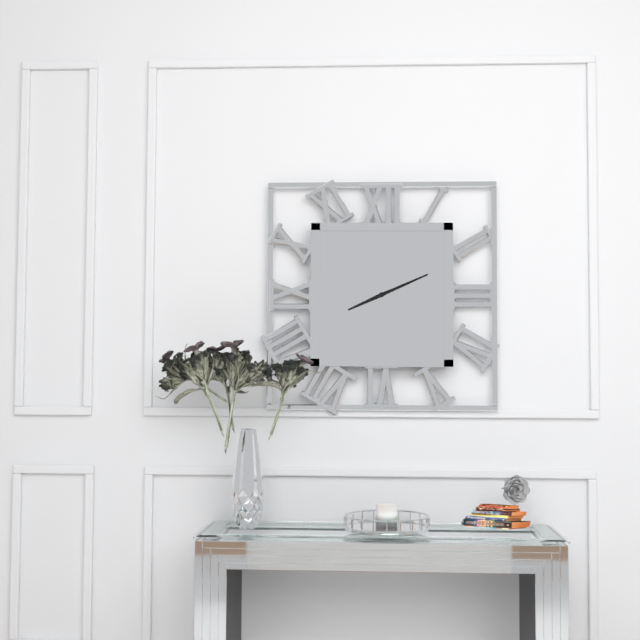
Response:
h=8 m=11
